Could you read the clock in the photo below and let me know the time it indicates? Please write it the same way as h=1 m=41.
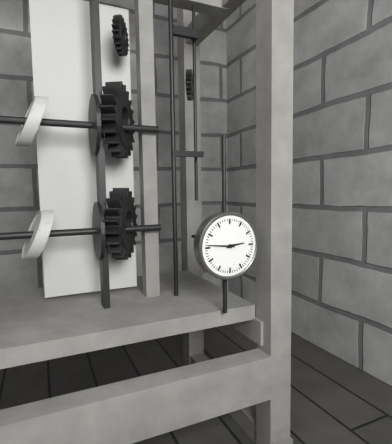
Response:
h=2 m=46
